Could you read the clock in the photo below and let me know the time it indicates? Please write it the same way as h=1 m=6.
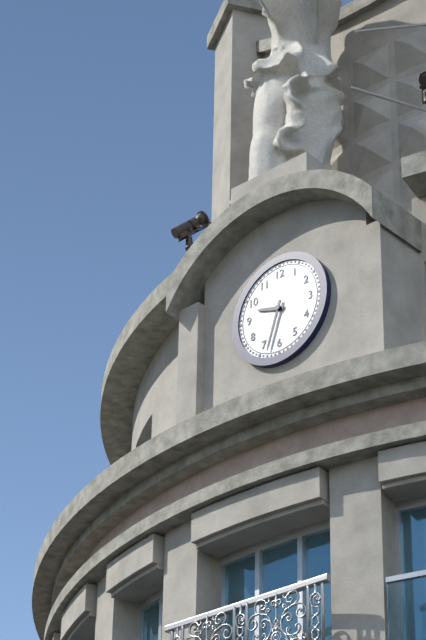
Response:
h=9 m=33
